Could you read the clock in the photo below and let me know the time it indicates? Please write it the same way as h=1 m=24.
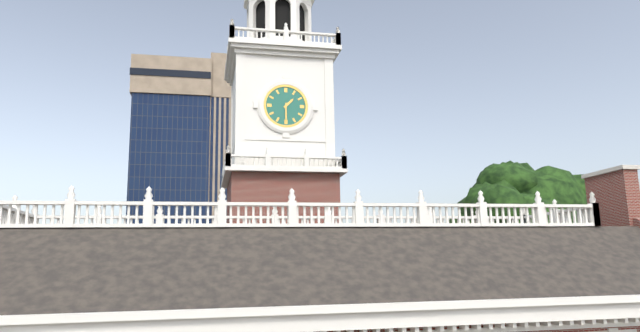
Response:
h=1 m=30
